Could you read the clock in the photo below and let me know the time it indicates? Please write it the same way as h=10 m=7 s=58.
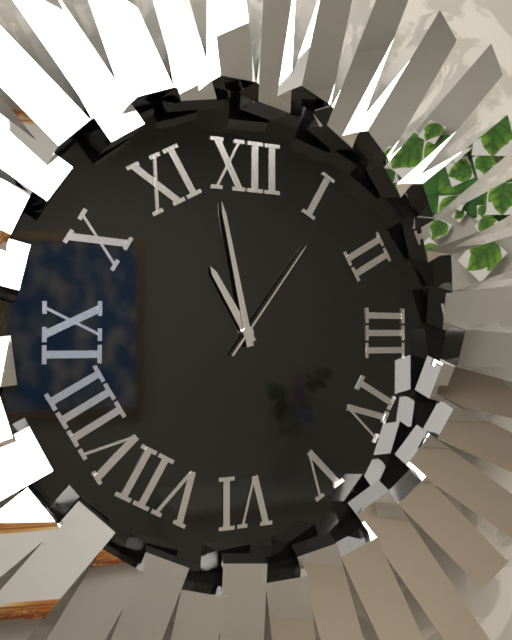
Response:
h=10 m=58 s=6
